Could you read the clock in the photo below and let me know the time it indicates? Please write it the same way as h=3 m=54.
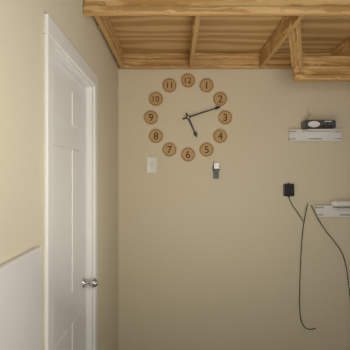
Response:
h=5 m=12
